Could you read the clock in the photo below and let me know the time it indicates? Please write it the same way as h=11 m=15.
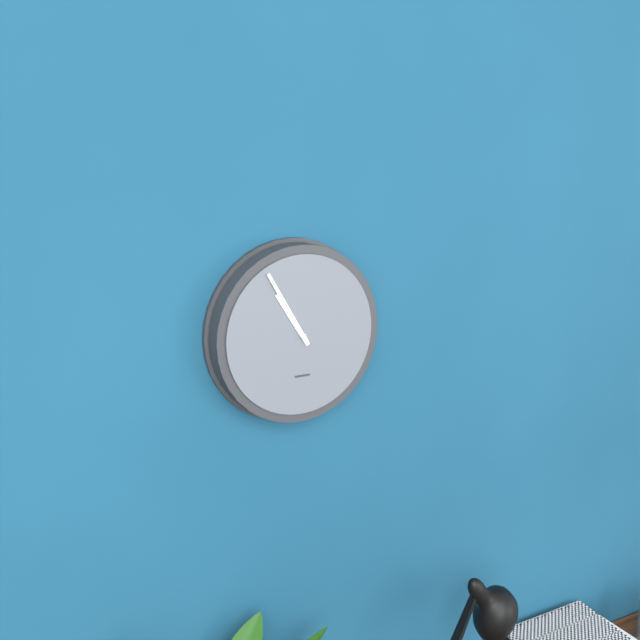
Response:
h=10 m=55
